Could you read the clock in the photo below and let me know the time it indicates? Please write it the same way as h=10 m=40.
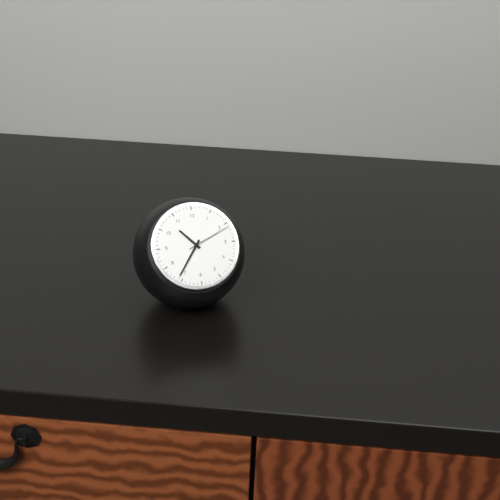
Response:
h=10 m=36
